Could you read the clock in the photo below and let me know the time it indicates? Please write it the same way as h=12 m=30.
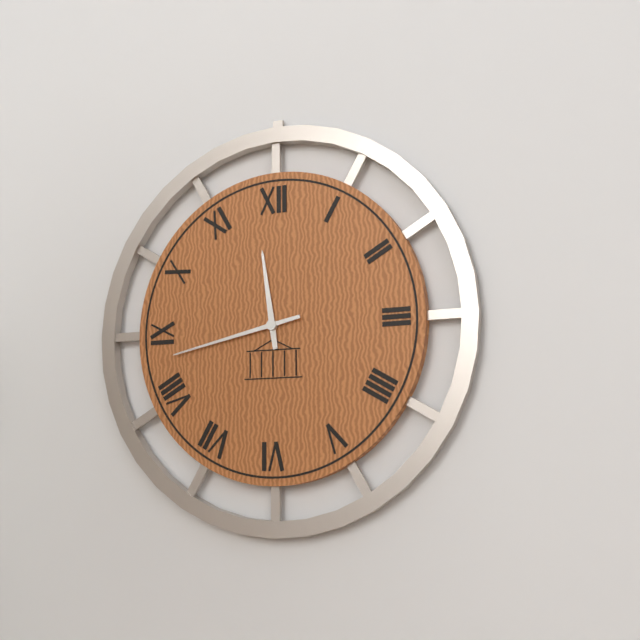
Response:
h=11 m=43
